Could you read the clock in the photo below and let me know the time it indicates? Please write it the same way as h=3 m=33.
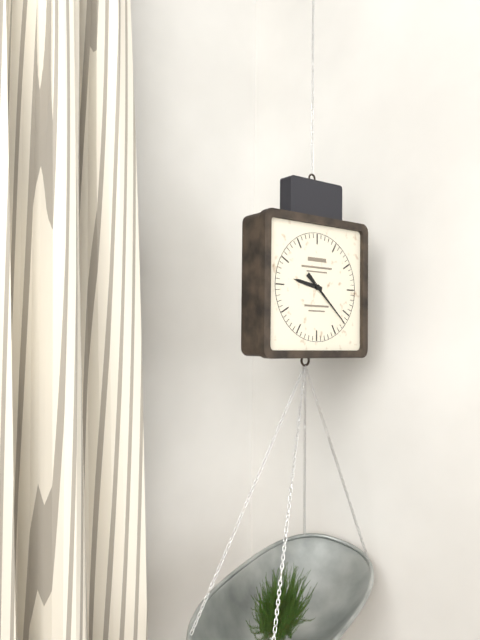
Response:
h=9 m=22
